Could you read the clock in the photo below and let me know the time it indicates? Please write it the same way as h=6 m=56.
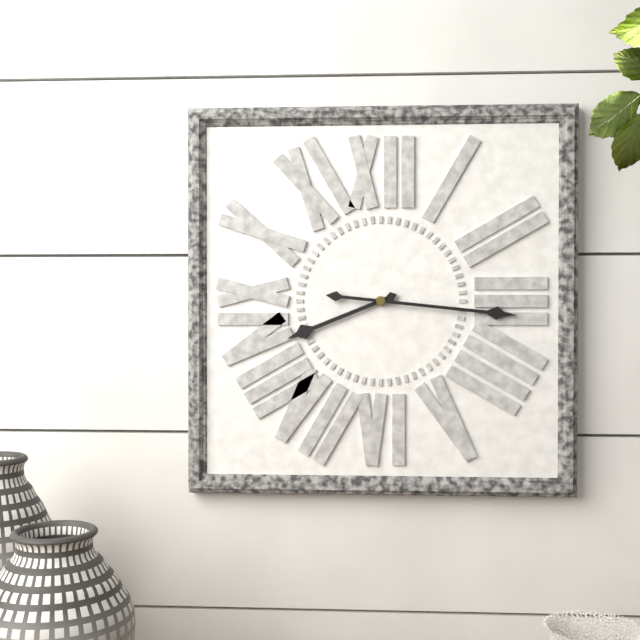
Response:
h=8 m=16
